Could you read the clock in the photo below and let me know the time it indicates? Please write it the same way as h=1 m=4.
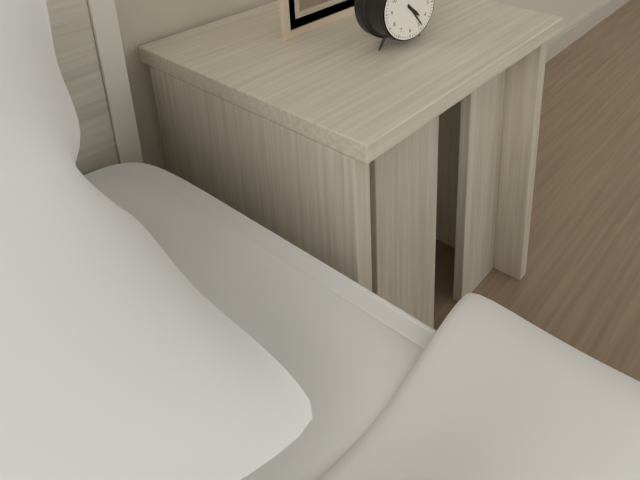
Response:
h=4 m=24
